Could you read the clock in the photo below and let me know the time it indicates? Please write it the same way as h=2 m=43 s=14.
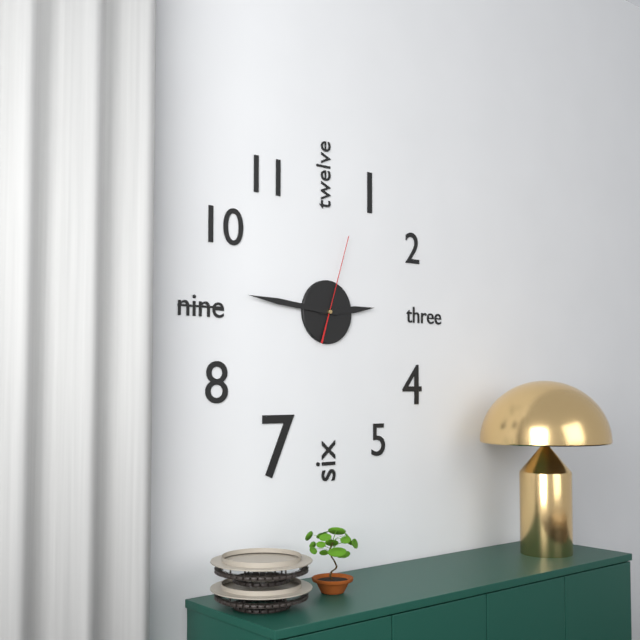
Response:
h=2 m=46 s=3
